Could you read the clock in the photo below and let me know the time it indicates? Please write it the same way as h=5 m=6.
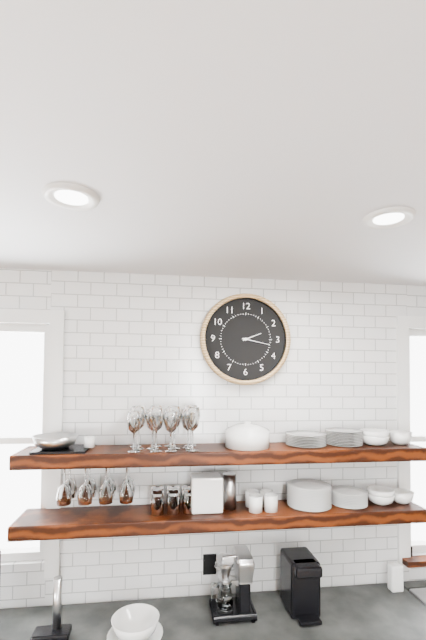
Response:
h=2 m=17
